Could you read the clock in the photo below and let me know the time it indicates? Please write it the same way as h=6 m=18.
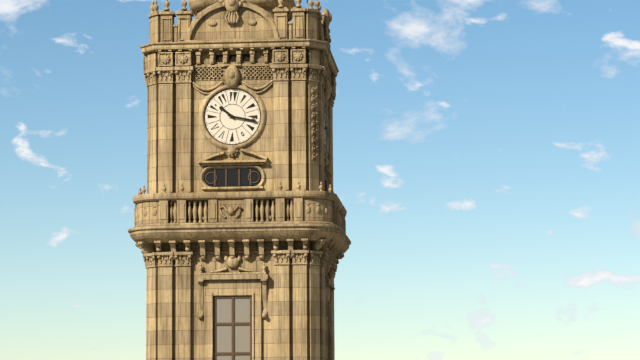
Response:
h=10 m=17
